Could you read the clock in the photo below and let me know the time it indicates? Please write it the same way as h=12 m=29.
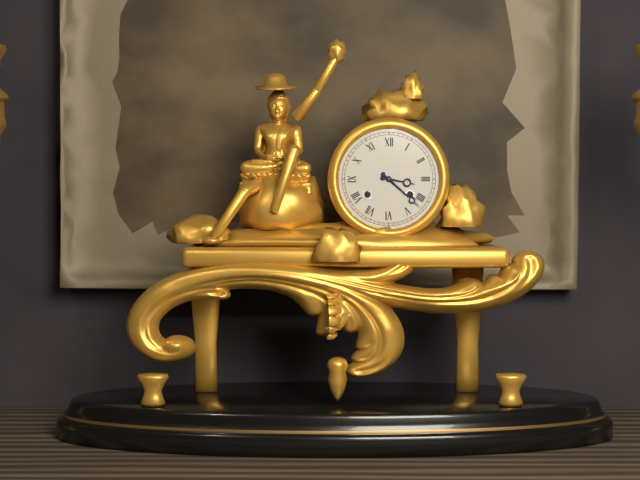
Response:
h=3 m=22
